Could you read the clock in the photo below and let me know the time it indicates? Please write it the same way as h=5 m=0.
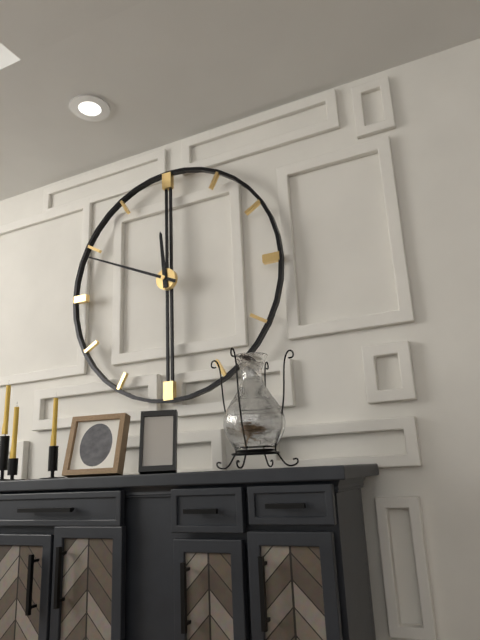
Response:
h=11 m=49
